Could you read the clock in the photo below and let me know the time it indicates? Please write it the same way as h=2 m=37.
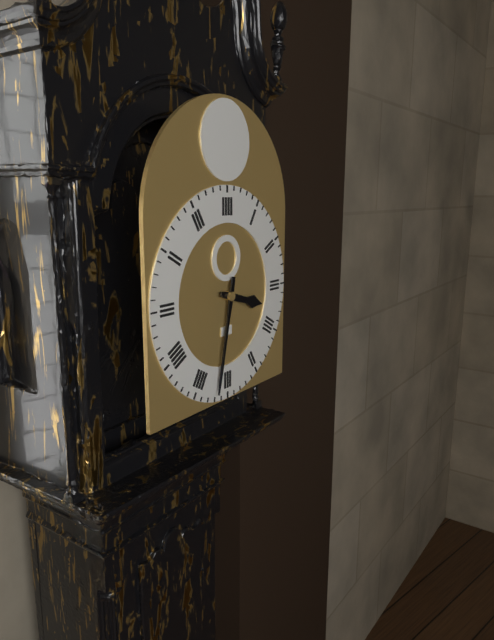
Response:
h=3 m=32
